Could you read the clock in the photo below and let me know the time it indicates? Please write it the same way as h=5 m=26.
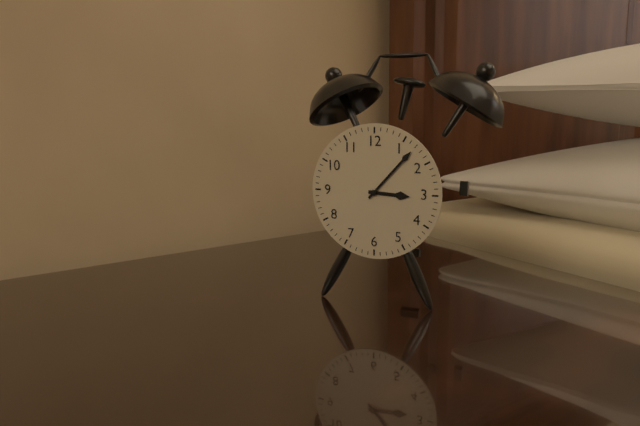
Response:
h=3 m=7
